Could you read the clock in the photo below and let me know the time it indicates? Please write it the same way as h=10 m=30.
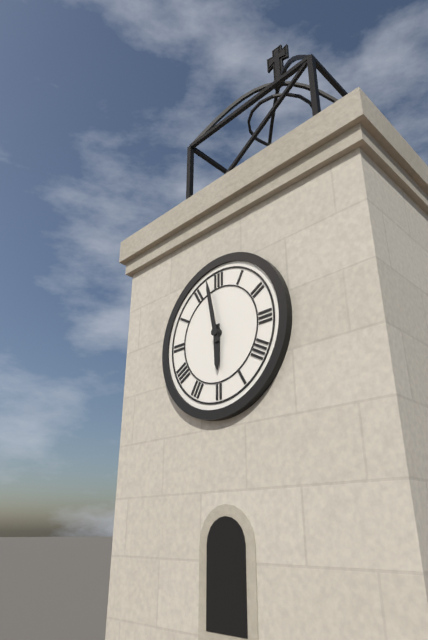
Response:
h=5 m=58
